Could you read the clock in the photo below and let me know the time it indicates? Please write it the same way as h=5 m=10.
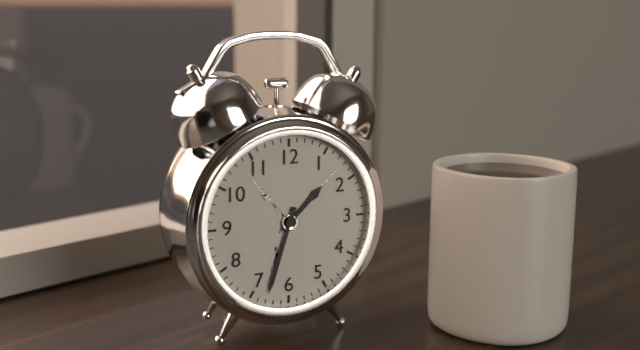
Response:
h=1 m=33
